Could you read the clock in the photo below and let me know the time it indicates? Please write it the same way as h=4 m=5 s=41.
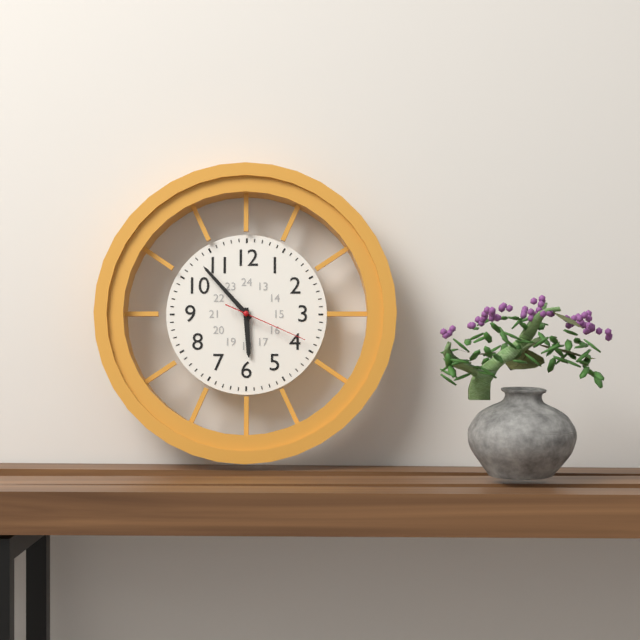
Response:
h=5 m=53 s=19
